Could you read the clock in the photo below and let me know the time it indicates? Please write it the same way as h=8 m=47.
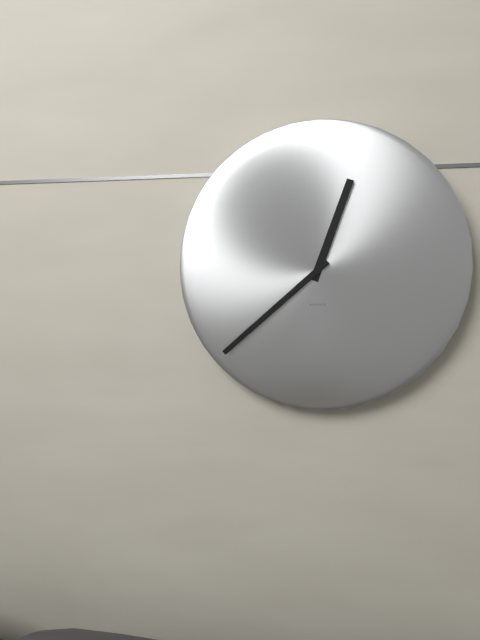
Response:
h=12 m=38
